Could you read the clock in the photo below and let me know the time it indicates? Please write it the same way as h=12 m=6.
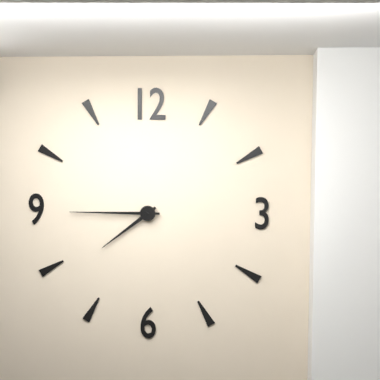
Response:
h=7 m=45
